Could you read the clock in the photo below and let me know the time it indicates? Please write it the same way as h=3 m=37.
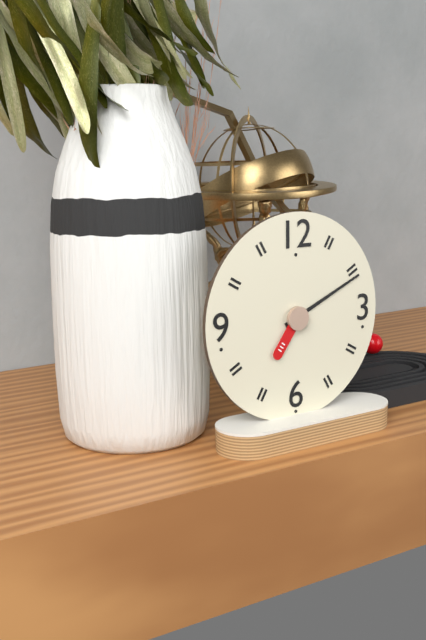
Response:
h=7 m=11
